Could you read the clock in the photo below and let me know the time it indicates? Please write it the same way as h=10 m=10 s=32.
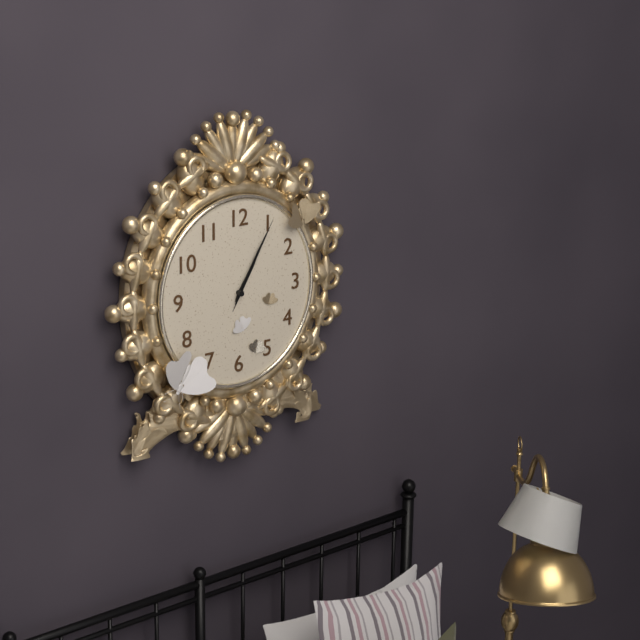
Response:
h=1 m=5 s=5
